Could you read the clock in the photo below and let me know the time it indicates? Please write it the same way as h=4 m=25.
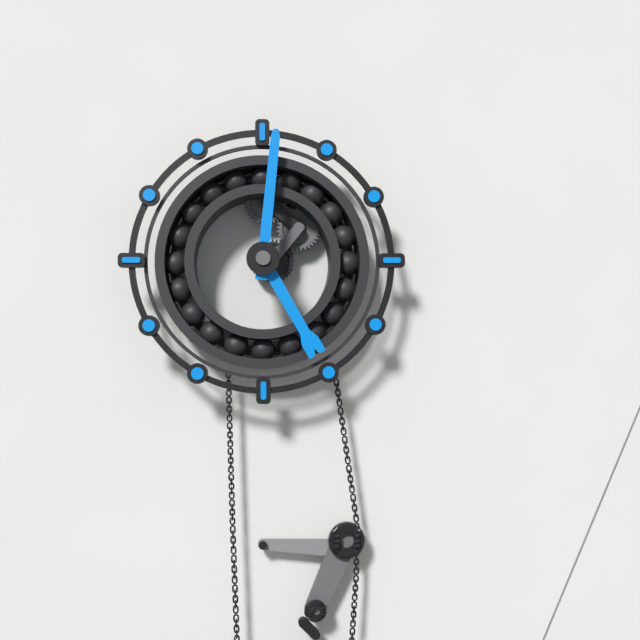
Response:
h=5 m=1
